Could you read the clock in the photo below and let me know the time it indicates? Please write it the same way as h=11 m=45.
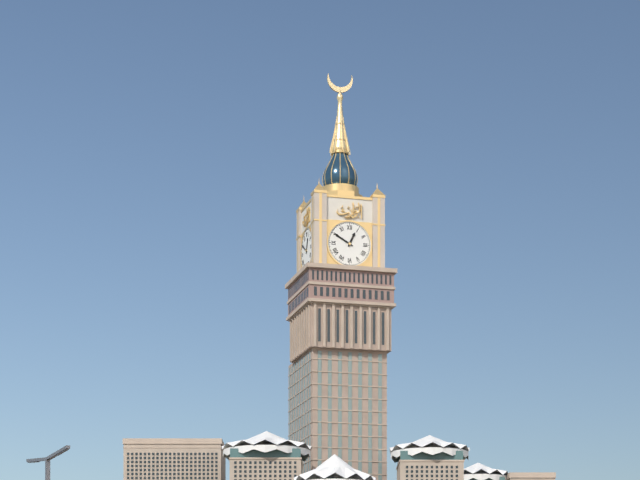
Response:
h=12 m=50
